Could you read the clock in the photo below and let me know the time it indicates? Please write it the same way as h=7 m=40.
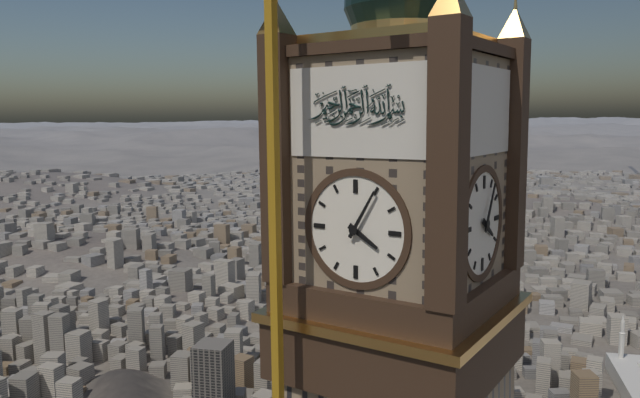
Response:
h=4 m=5
